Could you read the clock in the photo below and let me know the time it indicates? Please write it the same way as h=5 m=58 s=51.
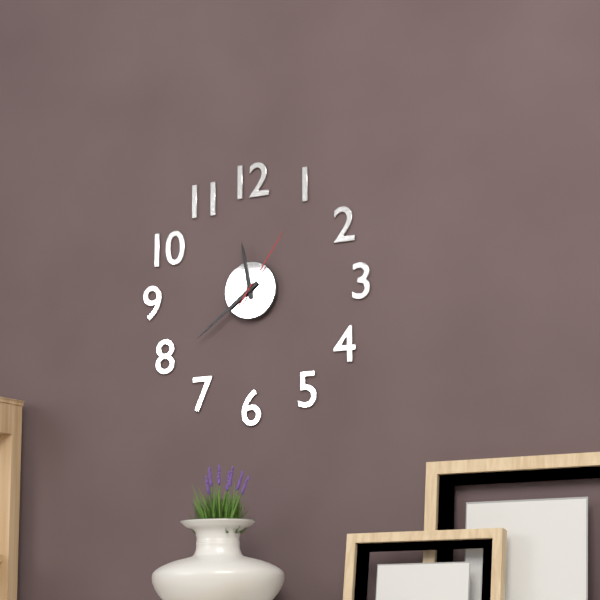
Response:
h=11 m=39 s=6
